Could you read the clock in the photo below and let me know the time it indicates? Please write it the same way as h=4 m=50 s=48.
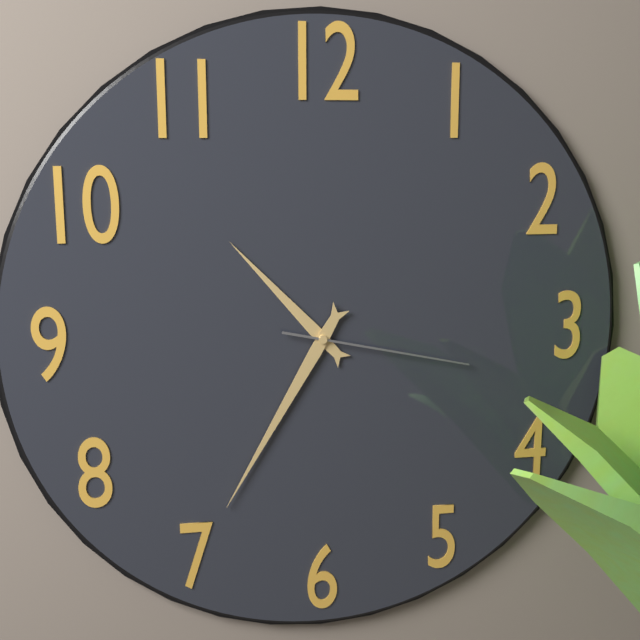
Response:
h=10 m=35 s=17
